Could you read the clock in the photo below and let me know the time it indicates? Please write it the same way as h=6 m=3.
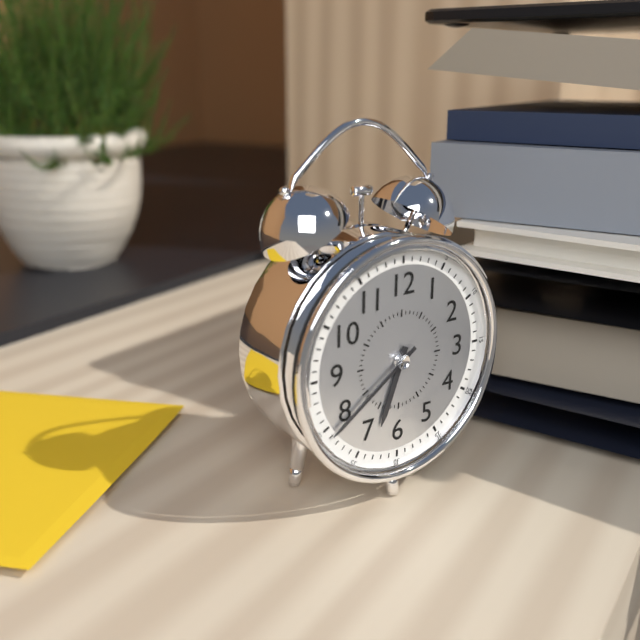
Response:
h=6 m=39
